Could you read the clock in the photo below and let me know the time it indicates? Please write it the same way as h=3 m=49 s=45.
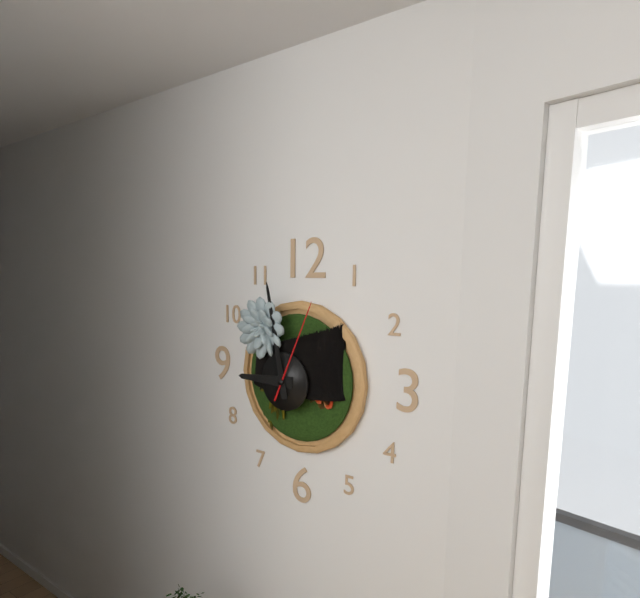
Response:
h=8 m=58 s=4
